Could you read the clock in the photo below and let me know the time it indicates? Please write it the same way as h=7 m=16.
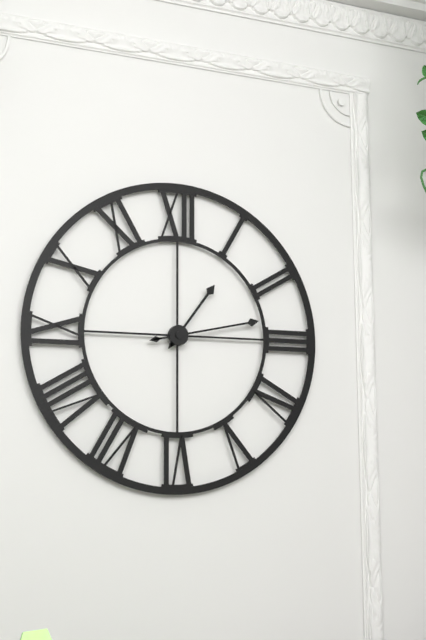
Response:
h=1 m=13
